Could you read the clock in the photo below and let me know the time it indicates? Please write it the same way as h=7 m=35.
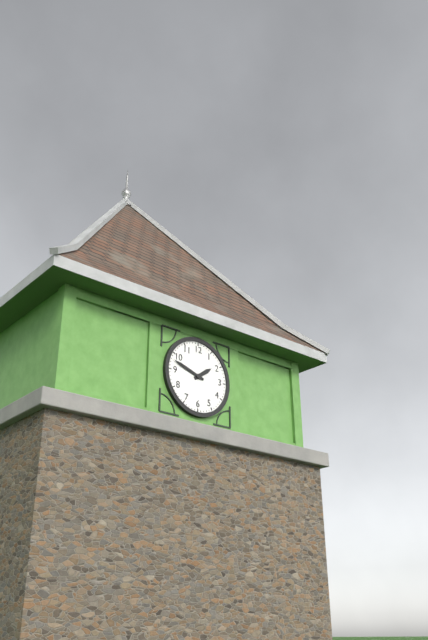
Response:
h=1 m=48
